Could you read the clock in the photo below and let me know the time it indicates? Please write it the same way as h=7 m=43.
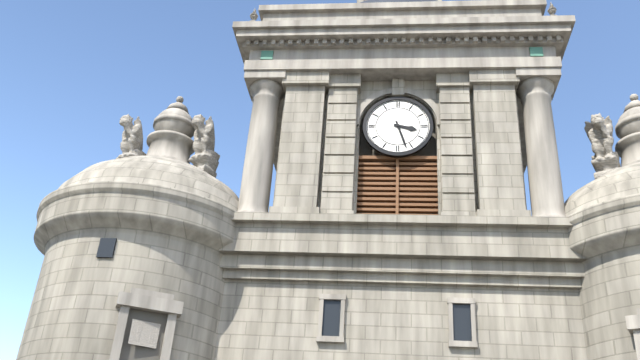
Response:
h=3 m=27
